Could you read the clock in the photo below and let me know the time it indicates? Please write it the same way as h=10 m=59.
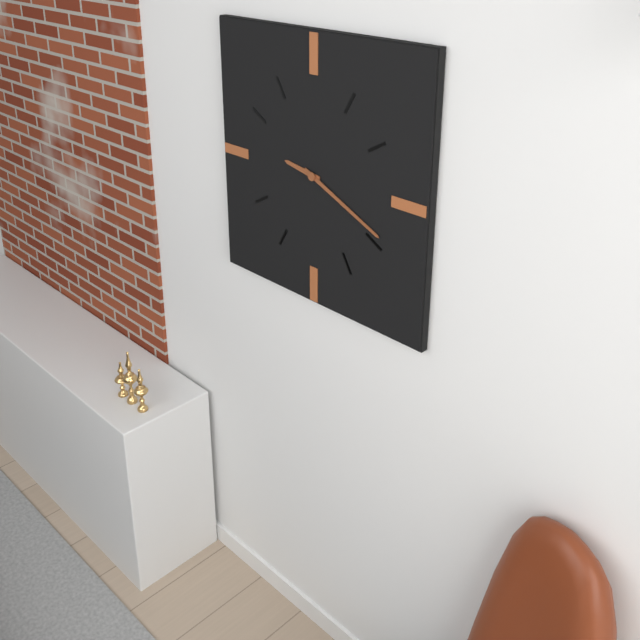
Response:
h=9 m=19
